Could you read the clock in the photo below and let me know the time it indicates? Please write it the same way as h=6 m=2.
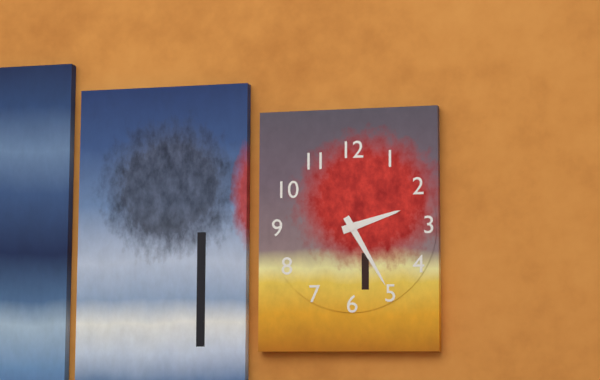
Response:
h=2 m=25
